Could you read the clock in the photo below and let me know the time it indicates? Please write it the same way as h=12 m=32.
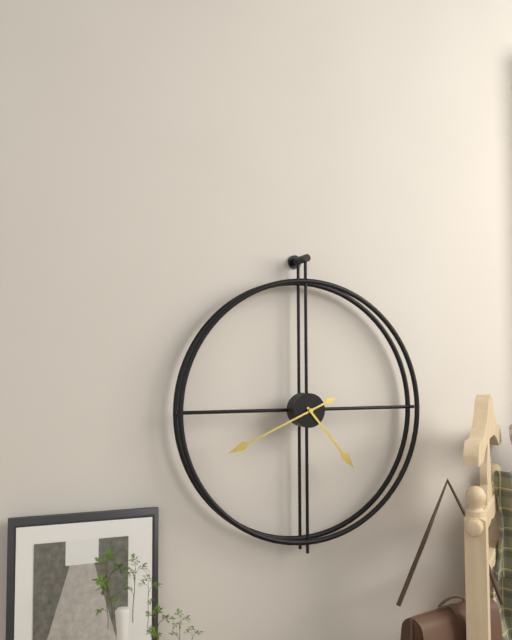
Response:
h=4 m=41
